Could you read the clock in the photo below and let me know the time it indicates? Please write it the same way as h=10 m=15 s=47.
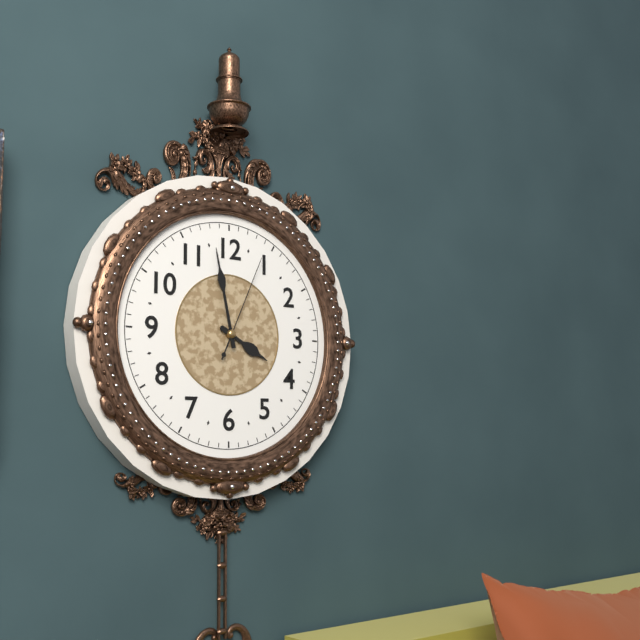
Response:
h=3 m=58 s=4
